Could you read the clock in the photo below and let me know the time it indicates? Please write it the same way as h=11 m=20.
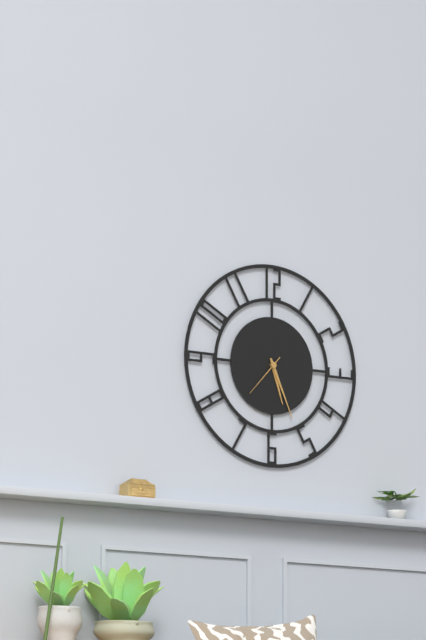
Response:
h=5 m=26
